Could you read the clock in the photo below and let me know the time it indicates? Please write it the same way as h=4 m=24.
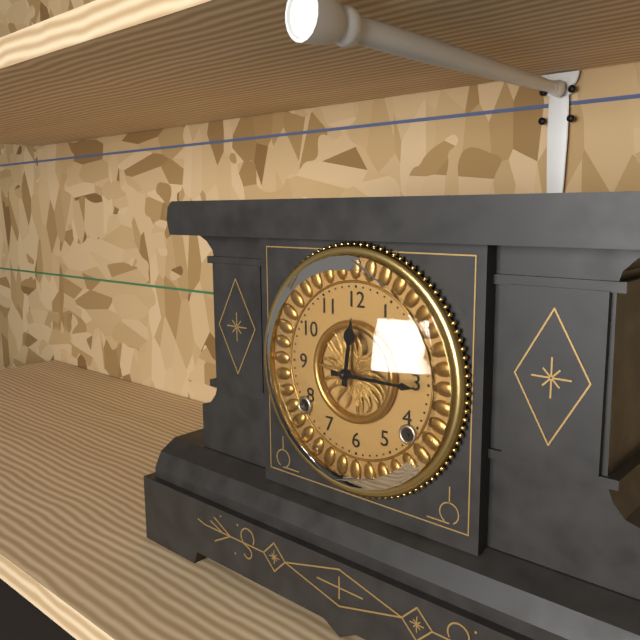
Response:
h=12 m=15
